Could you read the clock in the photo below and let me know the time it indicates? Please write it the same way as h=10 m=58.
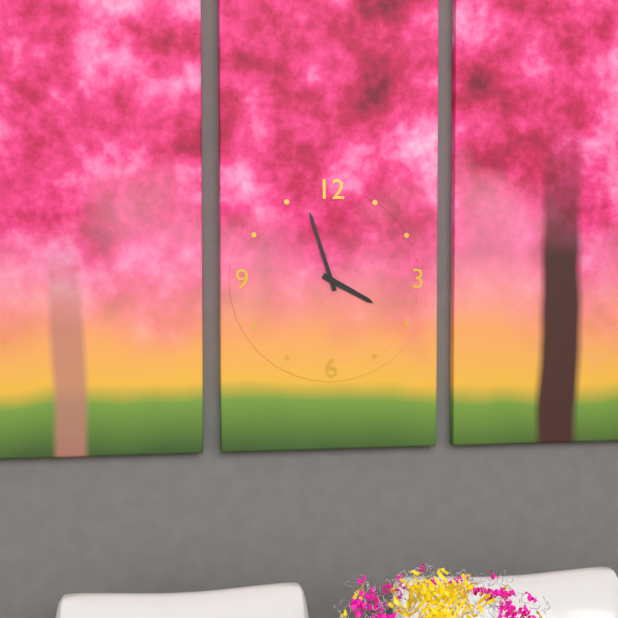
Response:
h=3 m=57
